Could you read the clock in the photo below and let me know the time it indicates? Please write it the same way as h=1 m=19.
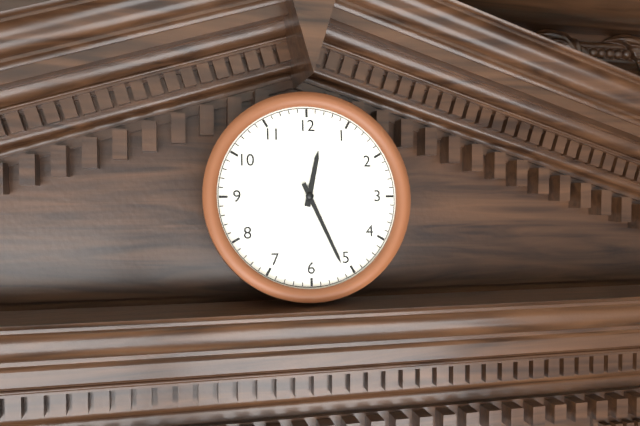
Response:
h=12 m=26
